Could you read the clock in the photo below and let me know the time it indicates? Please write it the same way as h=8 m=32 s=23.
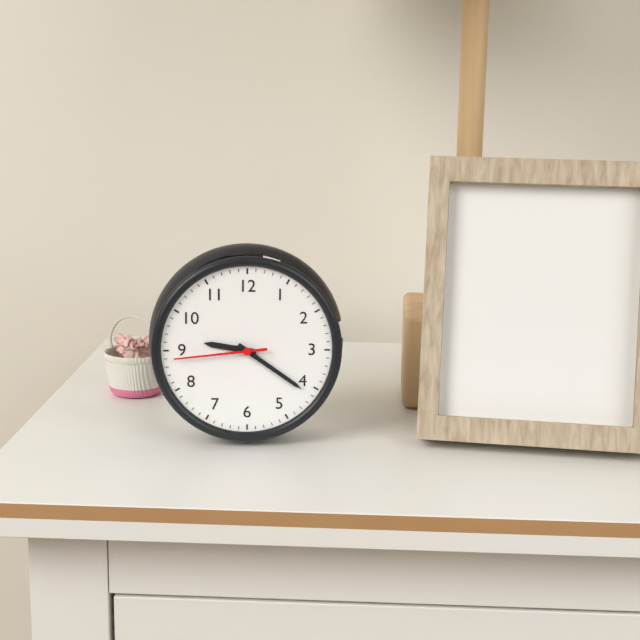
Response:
h=9 m=21 s=44
